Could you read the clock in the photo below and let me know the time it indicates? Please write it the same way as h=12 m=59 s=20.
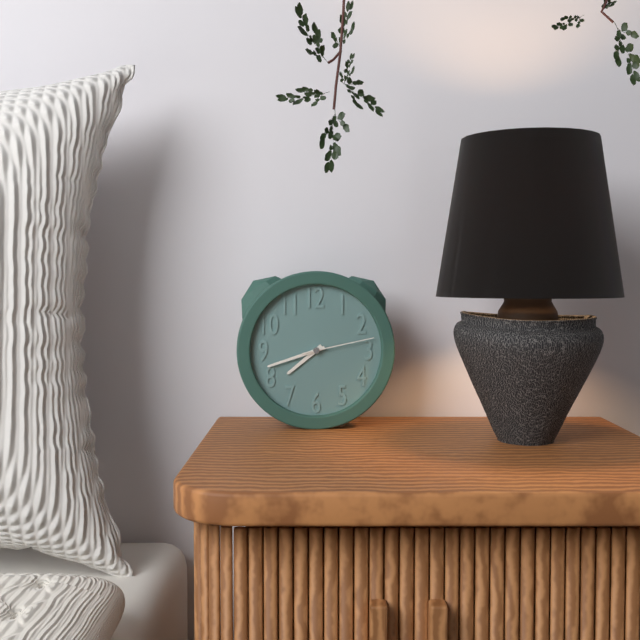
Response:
h=7 m=42 s=13
